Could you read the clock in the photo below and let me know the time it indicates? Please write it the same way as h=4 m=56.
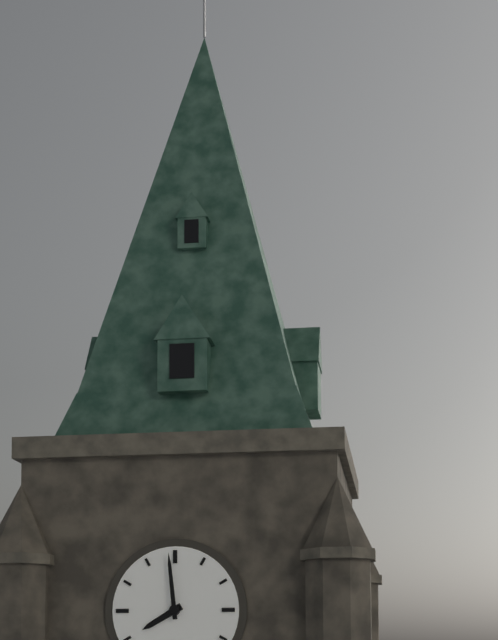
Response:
h=7 m=59
